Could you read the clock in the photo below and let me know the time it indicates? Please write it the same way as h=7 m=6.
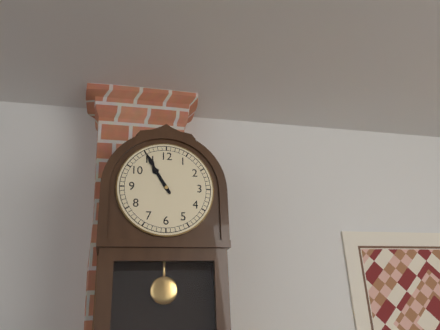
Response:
h=10 m=55
